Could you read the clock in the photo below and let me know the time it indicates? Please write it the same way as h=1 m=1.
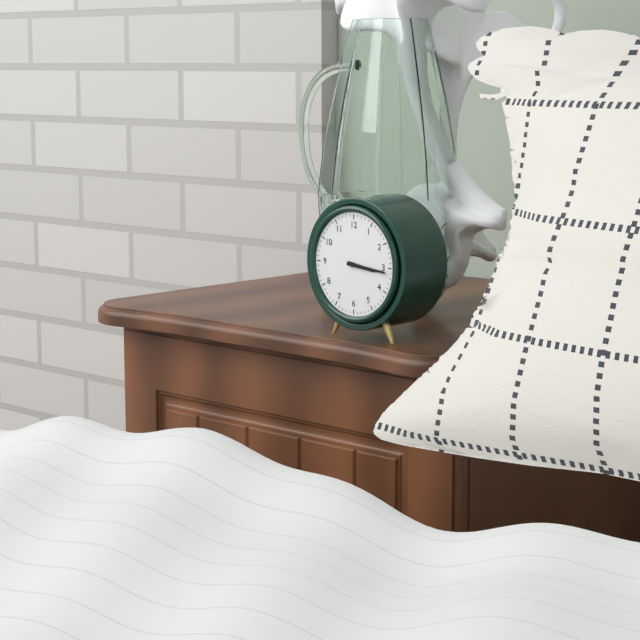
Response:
h=3 m=16
